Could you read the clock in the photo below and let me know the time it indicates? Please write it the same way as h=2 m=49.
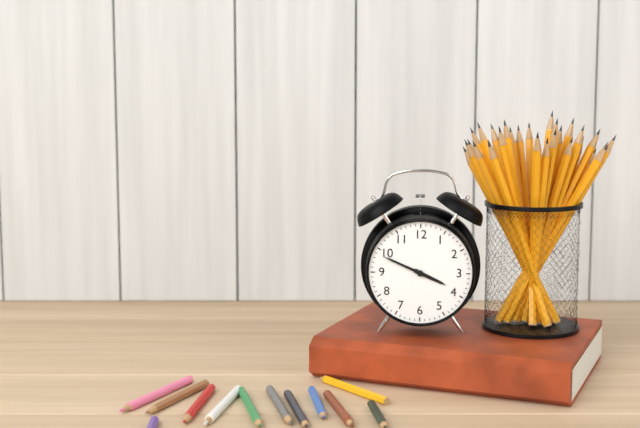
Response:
h=3 m=49
